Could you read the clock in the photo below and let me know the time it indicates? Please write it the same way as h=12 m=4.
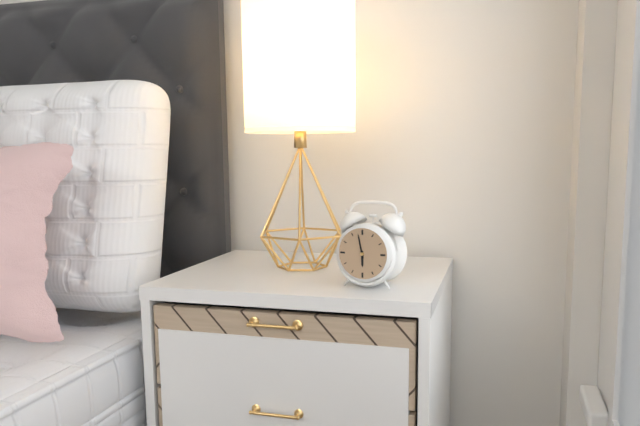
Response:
h=5 m=58
